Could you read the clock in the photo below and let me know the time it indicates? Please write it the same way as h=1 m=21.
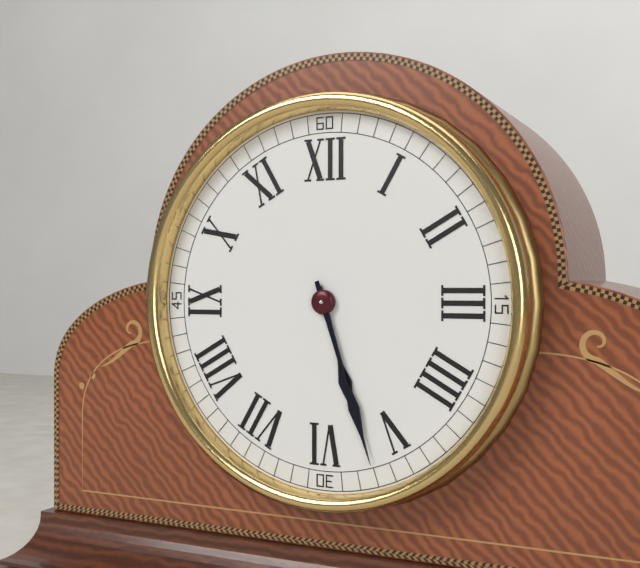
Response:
h=5 m=27
